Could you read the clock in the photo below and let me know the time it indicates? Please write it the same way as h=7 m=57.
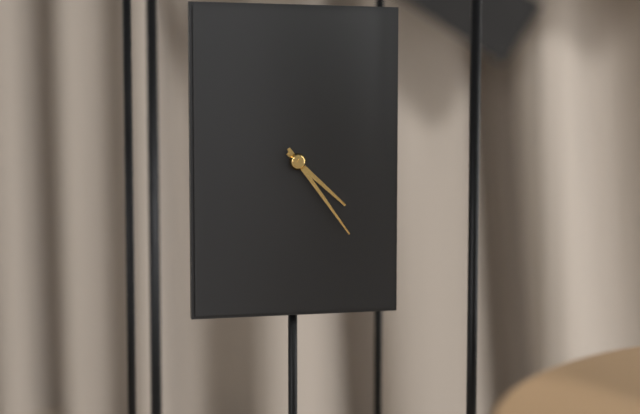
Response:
h=4 m=24
